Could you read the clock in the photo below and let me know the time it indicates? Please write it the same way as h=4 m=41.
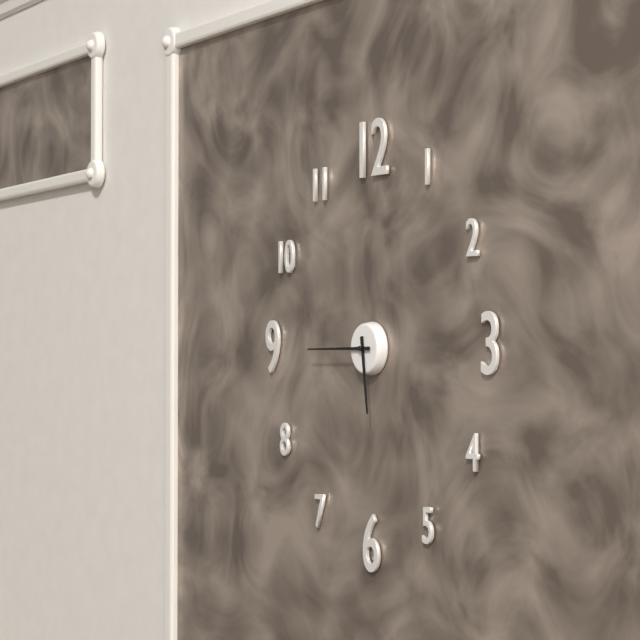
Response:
h=5 m=45
